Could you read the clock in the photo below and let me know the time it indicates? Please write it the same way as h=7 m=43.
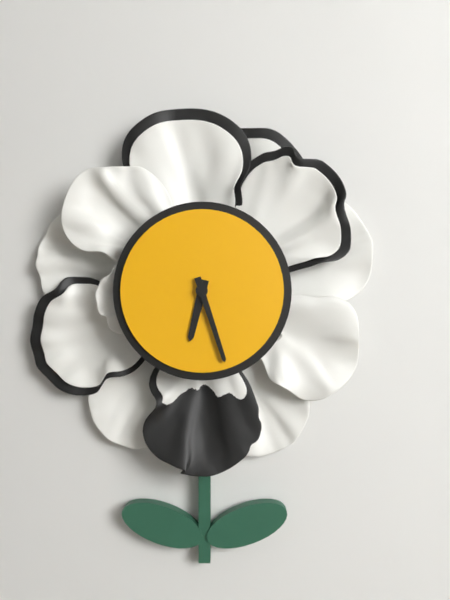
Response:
h=6 m=27
